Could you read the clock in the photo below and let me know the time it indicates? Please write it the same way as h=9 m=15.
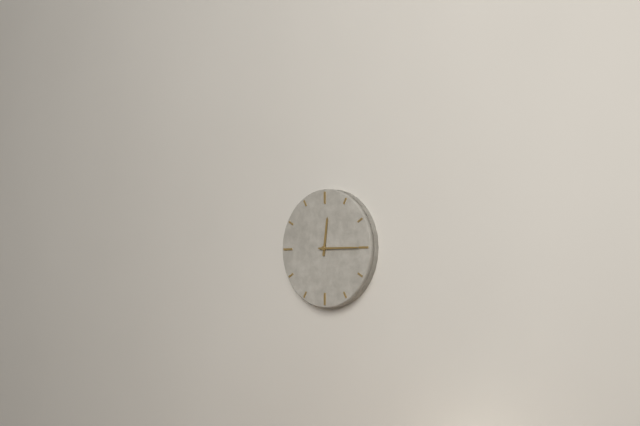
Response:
h=12 m=15
